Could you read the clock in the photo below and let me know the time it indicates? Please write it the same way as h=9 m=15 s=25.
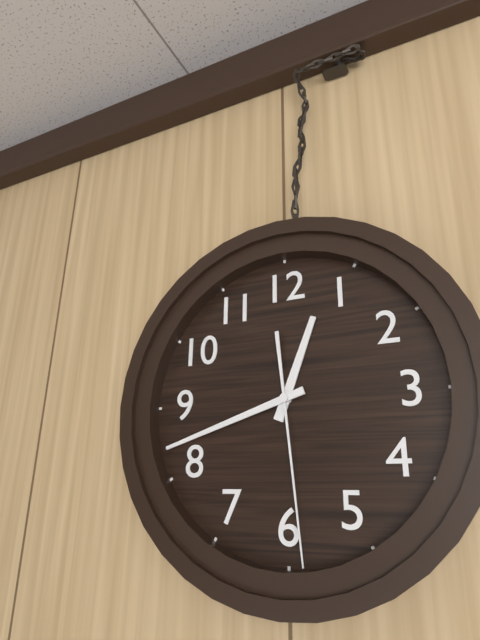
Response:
h=12 m=42 s=29
